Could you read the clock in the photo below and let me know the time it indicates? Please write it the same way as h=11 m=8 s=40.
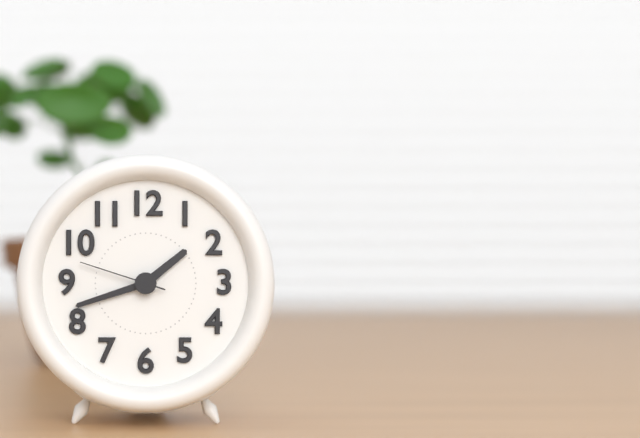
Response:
h=1 m=42 s=48
